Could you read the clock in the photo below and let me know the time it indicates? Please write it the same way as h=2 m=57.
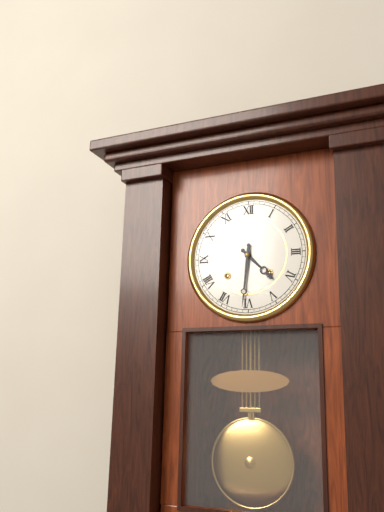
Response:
h=4 m=31
